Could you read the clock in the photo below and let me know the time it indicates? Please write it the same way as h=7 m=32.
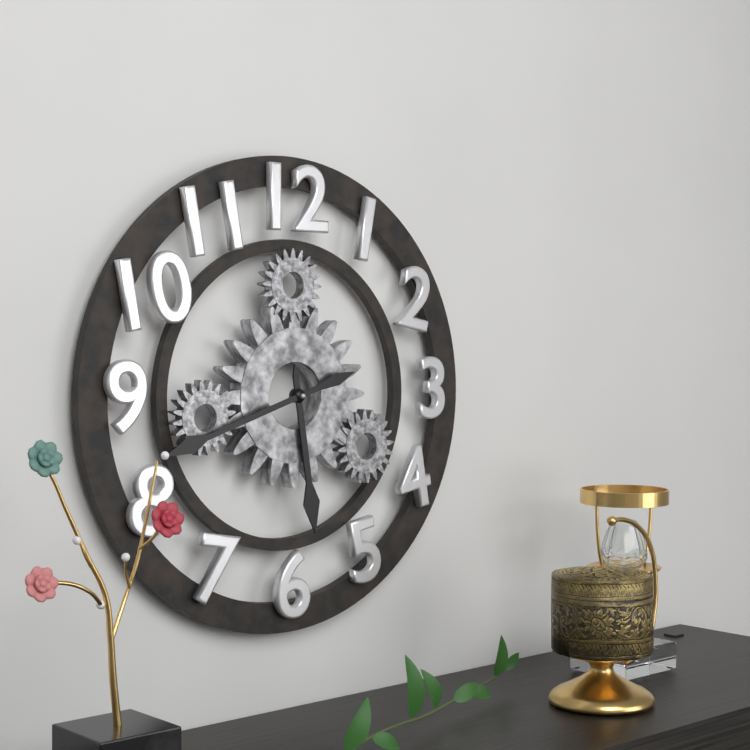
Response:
h=5 m=42
